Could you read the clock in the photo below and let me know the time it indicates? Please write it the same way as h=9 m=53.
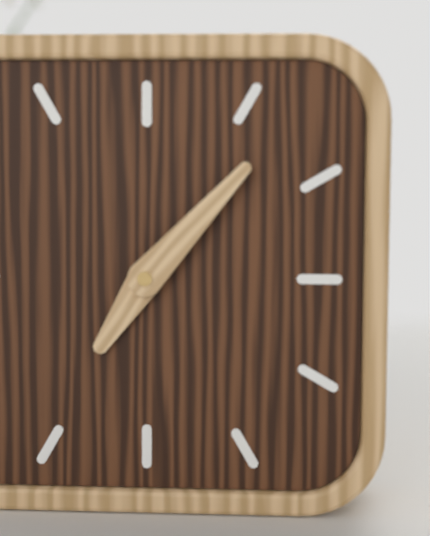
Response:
h=7 m=7
